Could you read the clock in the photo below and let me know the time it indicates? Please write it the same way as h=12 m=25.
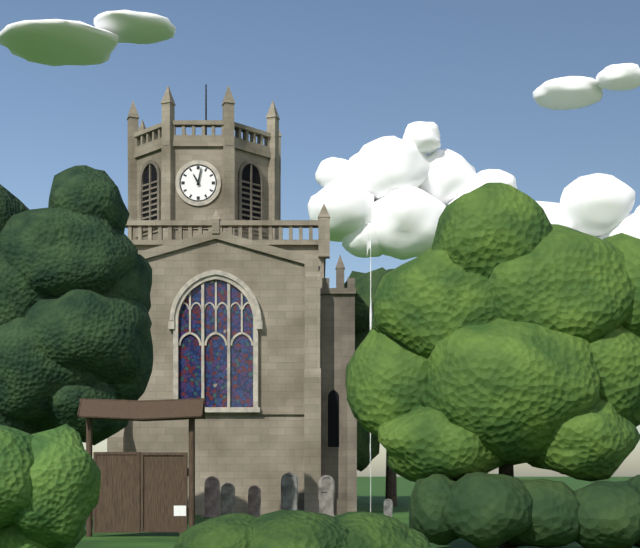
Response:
h=11 m=2
